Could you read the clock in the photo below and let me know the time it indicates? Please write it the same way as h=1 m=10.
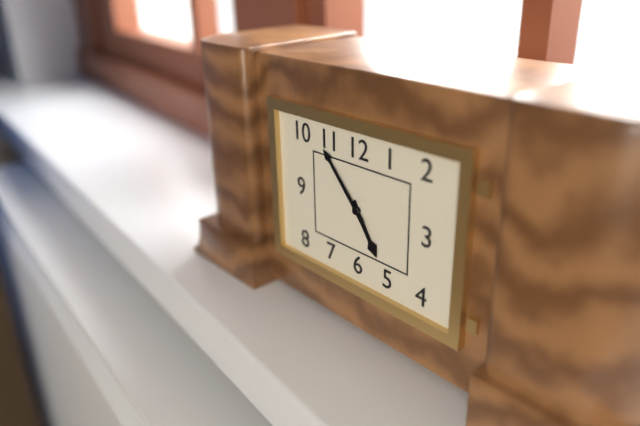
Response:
h=4 m=53
